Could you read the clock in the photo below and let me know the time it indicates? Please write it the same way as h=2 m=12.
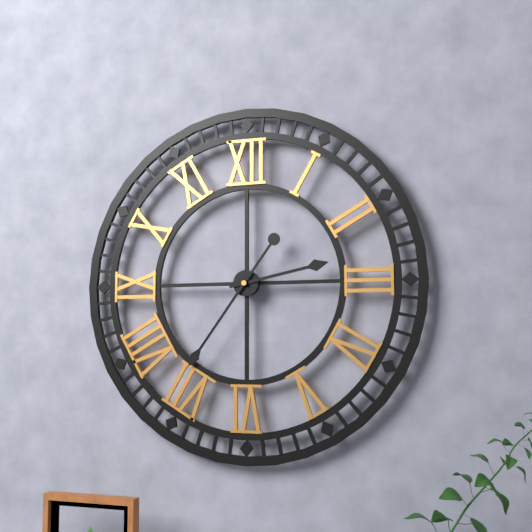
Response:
h=2 m=36
